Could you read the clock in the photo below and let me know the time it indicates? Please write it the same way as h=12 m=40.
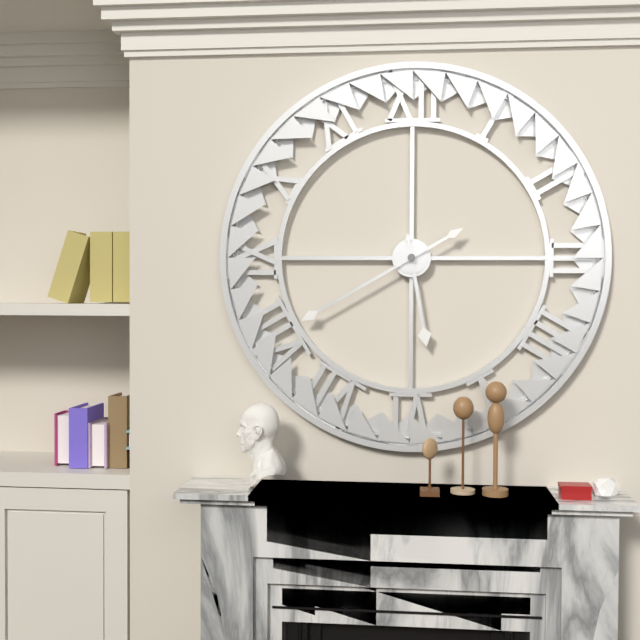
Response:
h=5 m=40
